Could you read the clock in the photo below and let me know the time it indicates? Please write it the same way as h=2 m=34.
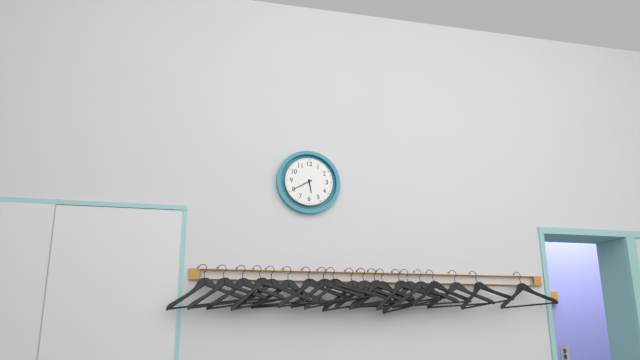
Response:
h=5 m=40
